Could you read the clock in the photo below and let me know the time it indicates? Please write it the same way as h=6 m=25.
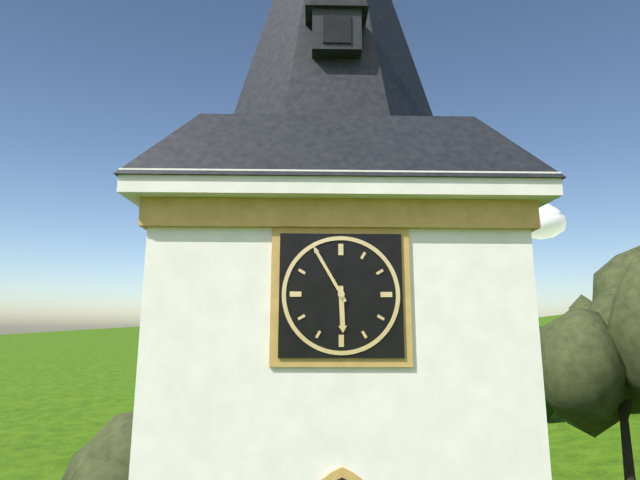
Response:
h=5 m=55
